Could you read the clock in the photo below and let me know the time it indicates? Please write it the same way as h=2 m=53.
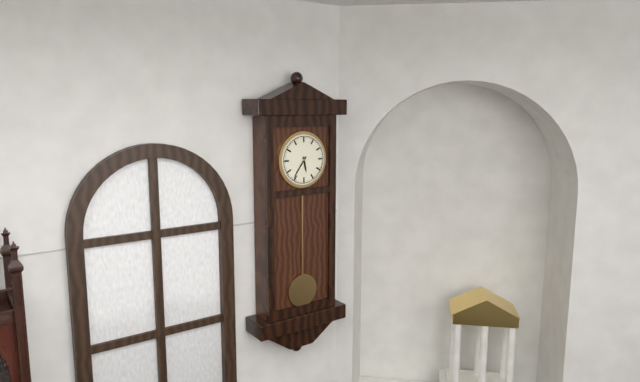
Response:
h=5 m=36
